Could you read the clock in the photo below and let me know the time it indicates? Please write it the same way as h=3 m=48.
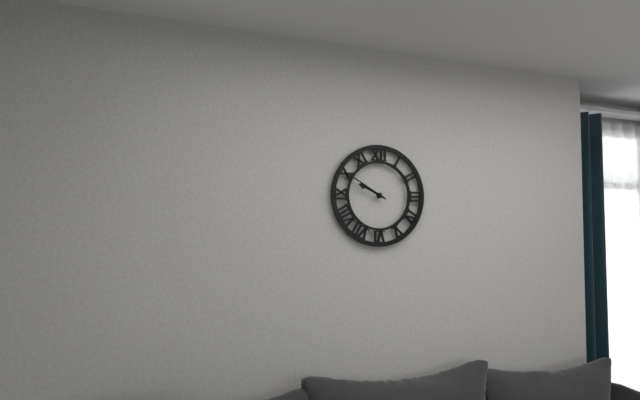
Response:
h=9 m=50
